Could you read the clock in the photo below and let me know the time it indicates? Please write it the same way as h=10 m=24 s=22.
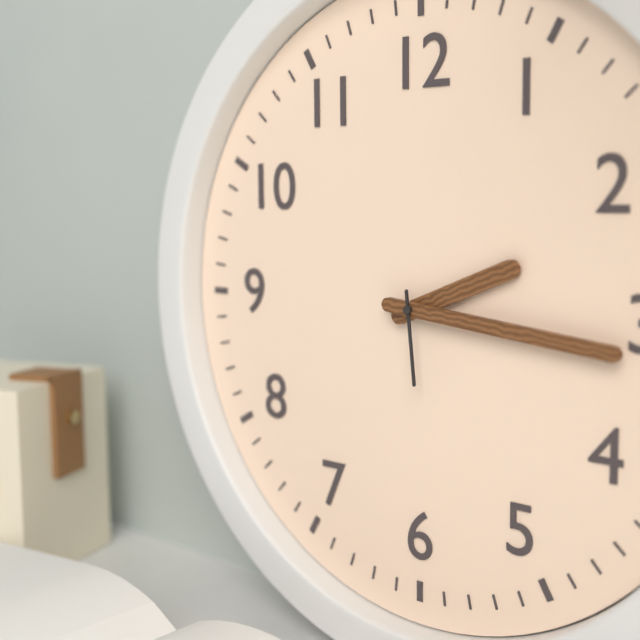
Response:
h=2 m=16 s=29
